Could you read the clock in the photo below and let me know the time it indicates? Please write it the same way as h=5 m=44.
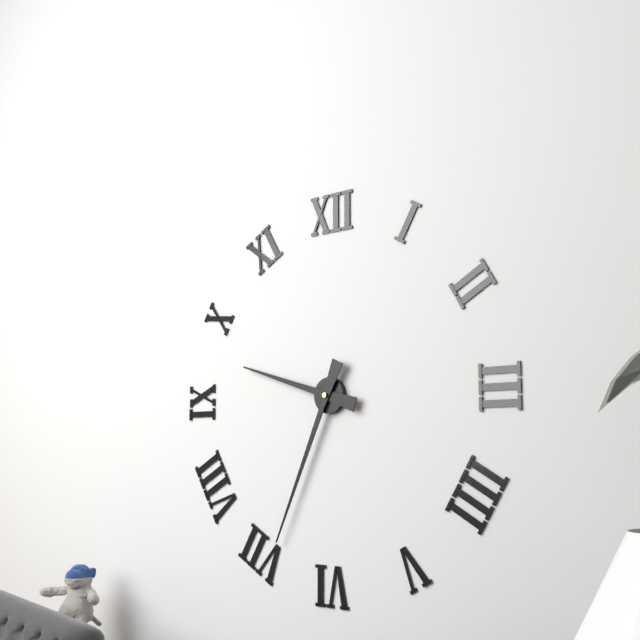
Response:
h=9 m=34
